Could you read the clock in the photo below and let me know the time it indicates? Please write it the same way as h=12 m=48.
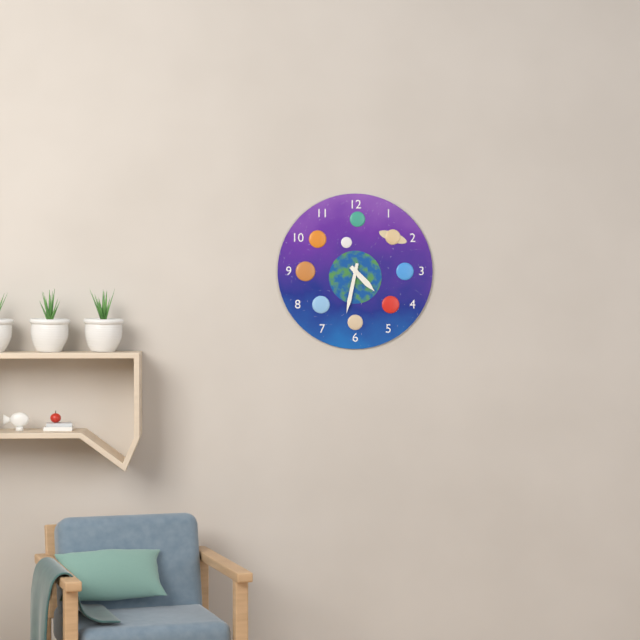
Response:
h=4 m=32
